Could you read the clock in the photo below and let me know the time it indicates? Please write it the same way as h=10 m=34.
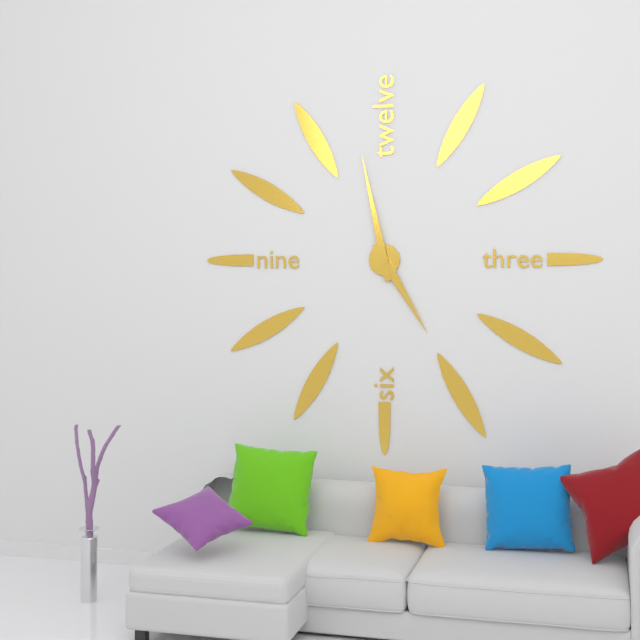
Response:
h=4 m=58
